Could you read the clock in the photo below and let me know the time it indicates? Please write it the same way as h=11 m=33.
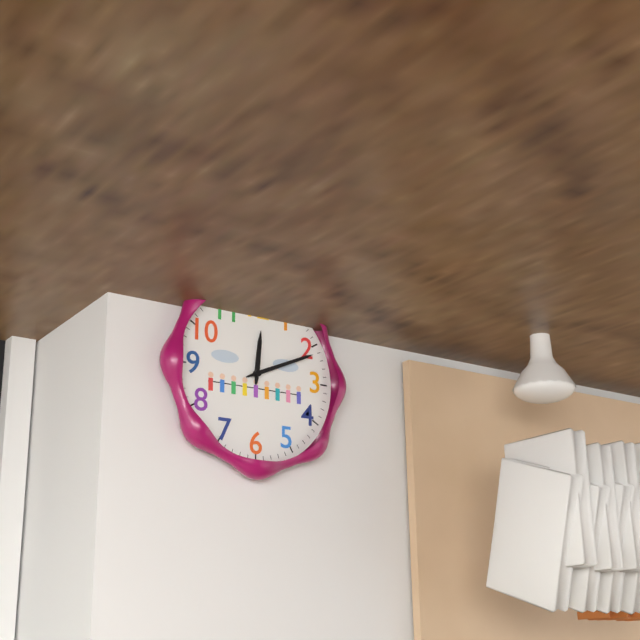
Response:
h=12 m=11
